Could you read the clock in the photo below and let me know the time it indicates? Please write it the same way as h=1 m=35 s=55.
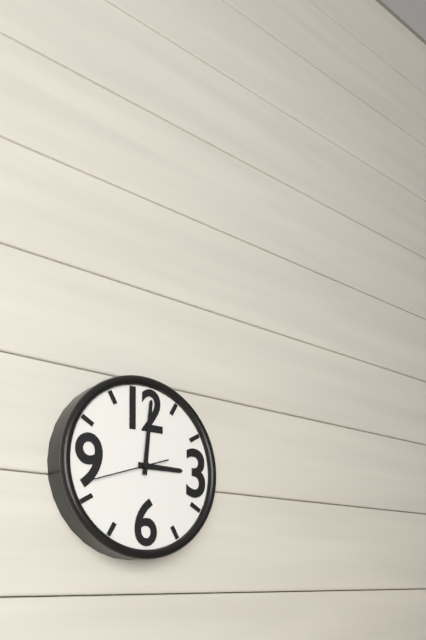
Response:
h=3 m=1 s=42
